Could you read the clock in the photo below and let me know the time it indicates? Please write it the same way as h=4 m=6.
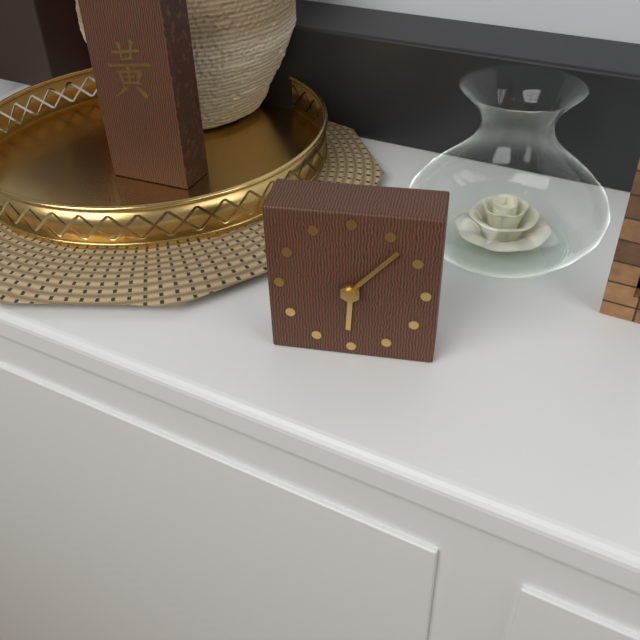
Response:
h=6 m=7
